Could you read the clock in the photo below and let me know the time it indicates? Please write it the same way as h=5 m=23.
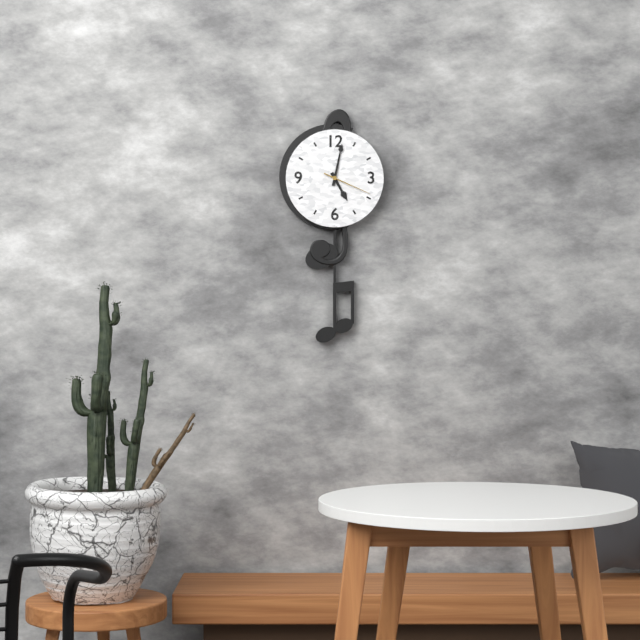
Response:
h=5 m=2
